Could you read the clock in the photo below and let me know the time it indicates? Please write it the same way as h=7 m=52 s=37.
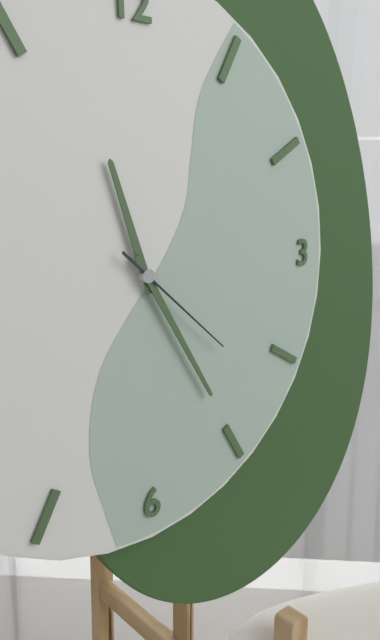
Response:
h=11 m=25 s=22
